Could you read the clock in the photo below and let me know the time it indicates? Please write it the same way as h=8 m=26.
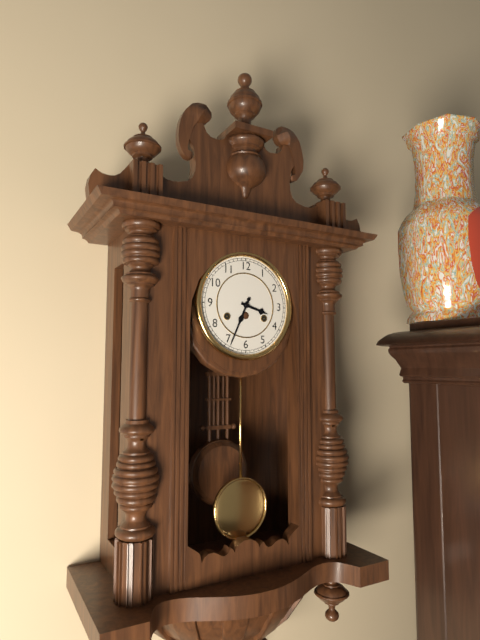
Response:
h=3 m=34
